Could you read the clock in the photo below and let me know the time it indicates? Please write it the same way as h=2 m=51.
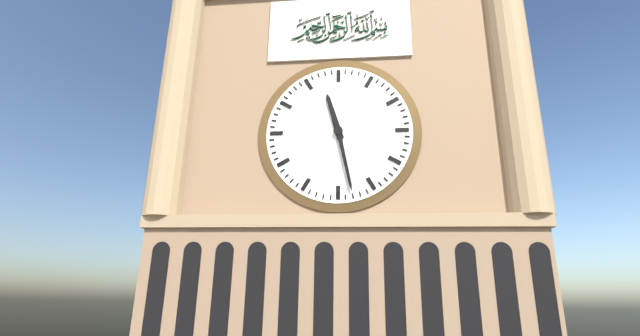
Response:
h=11 m=28
